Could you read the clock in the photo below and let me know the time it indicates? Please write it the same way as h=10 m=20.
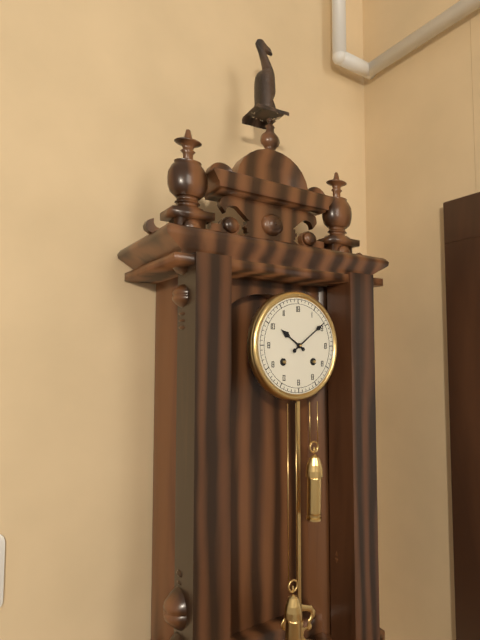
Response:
h=10 m=9
